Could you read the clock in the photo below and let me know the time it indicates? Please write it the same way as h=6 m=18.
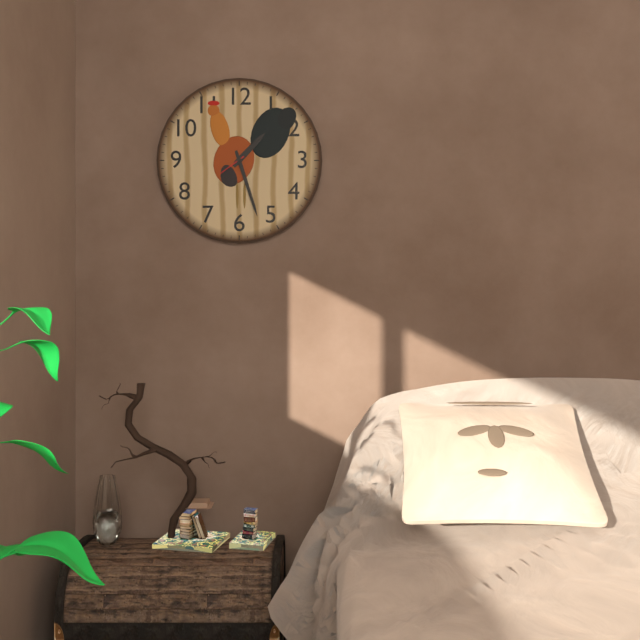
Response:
h=1 m=27
